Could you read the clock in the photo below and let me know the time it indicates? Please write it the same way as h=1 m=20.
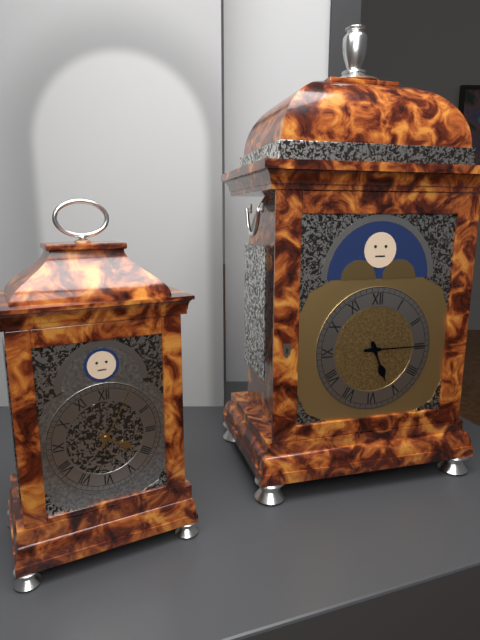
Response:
h=5 m=15
